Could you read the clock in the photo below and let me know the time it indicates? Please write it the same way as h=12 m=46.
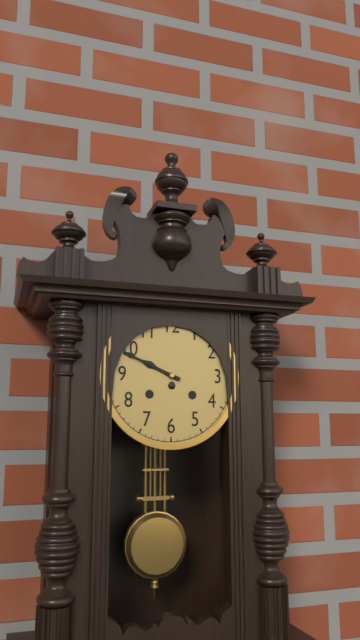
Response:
h=9 m=49
